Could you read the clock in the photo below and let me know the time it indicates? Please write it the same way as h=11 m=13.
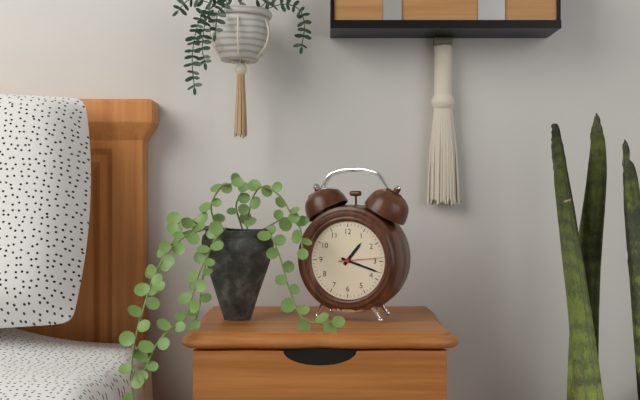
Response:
h=1 m=18
